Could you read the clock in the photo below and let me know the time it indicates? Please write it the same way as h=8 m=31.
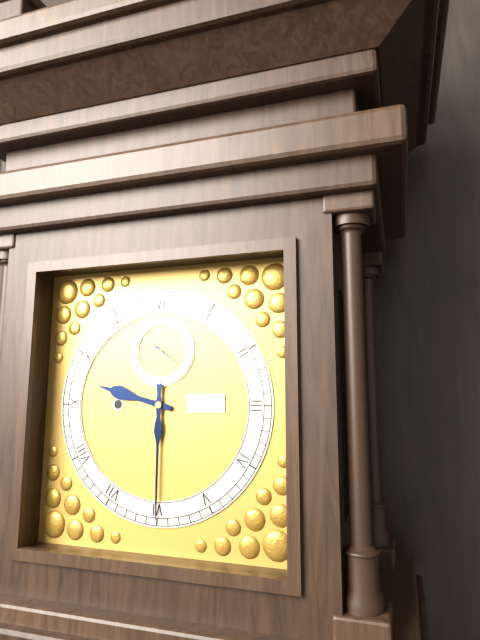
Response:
h=9 m=30
